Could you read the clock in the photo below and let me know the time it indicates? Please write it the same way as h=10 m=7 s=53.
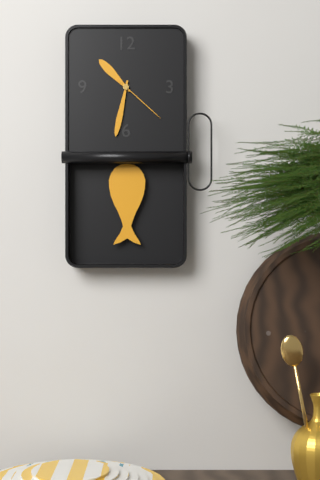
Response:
h=10 m=32 s=22
